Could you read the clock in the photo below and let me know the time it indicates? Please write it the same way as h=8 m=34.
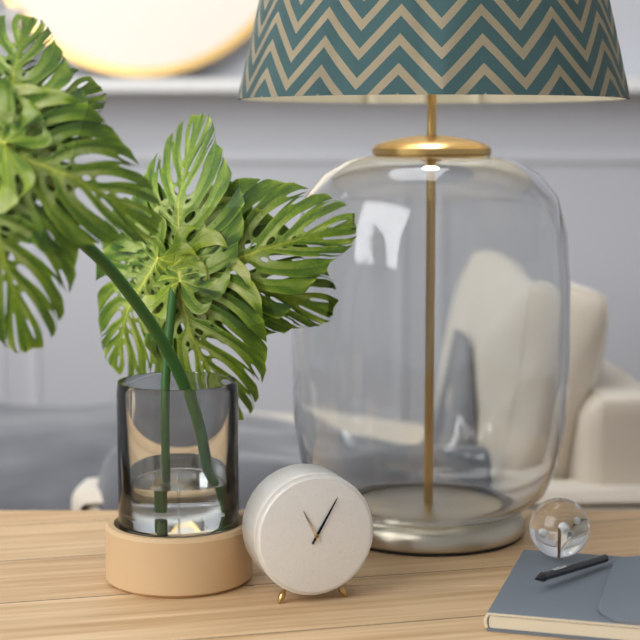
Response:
h=11 m=5
